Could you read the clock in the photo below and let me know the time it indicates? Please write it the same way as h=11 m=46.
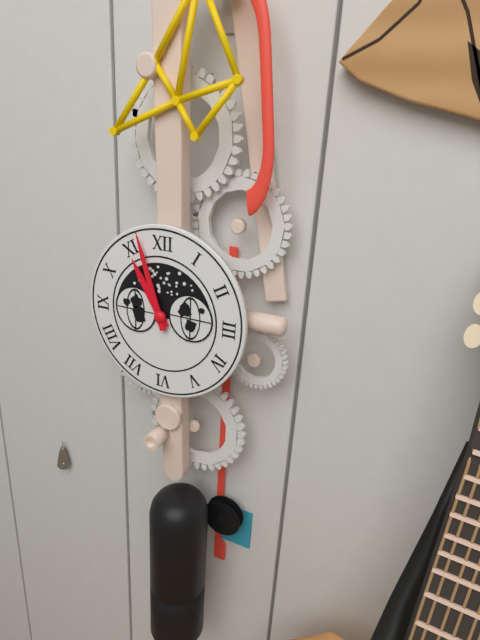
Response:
h=10 m=57
